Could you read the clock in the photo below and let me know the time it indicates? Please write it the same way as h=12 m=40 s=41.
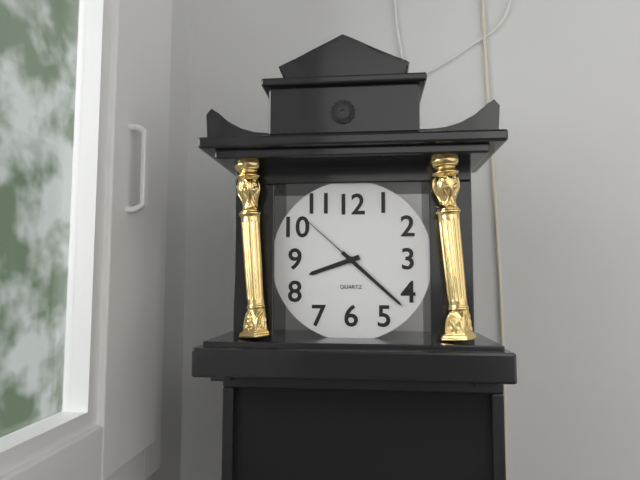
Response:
h=8 m=22 s=52
